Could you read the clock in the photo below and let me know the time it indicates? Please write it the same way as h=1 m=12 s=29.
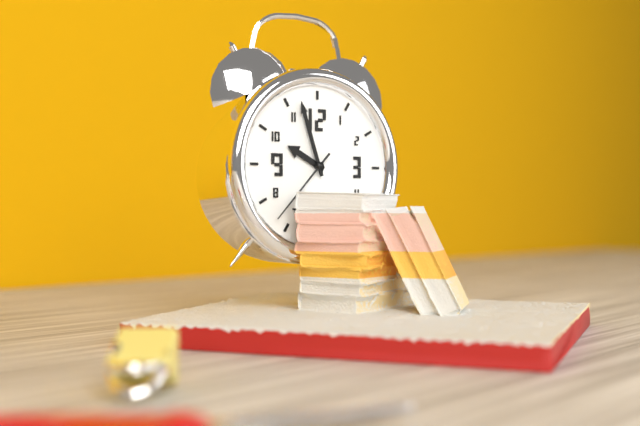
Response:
h=9 m=57 s=37
